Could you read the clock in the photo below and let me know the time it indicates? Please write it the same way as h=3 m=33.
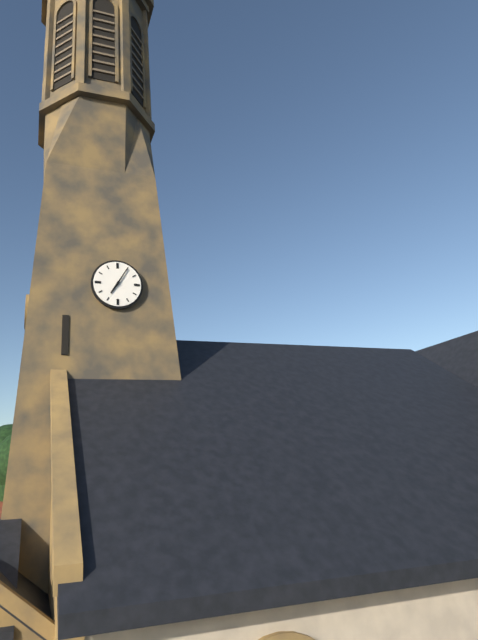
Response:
h=7 m=5
